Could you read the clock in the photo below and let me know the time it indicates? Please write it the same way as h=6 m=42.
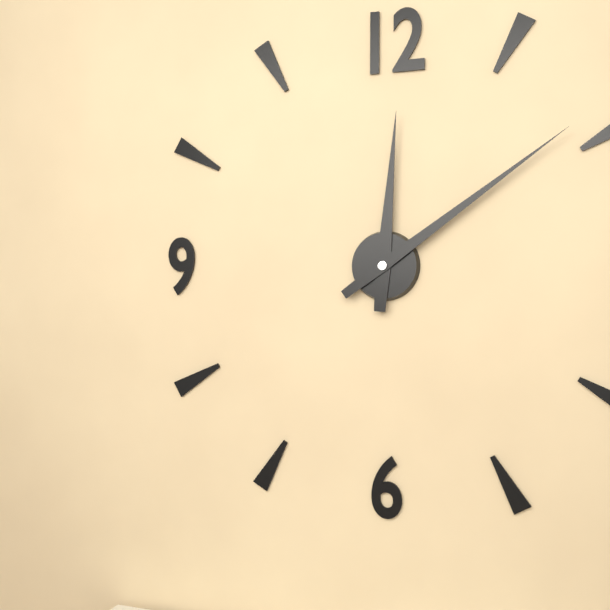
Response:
h=12 m=9
